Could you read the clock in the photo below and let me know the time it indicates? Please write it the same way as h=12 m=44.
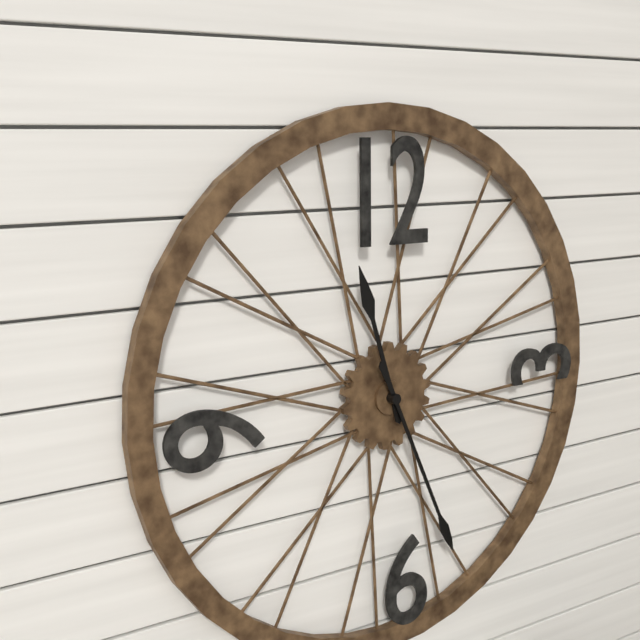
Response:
h=11 m=26
